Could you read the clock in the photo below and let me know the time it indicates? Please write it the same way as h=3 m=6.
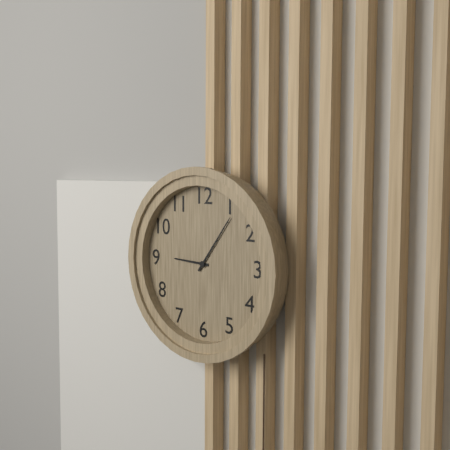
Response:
h=9 m=6
